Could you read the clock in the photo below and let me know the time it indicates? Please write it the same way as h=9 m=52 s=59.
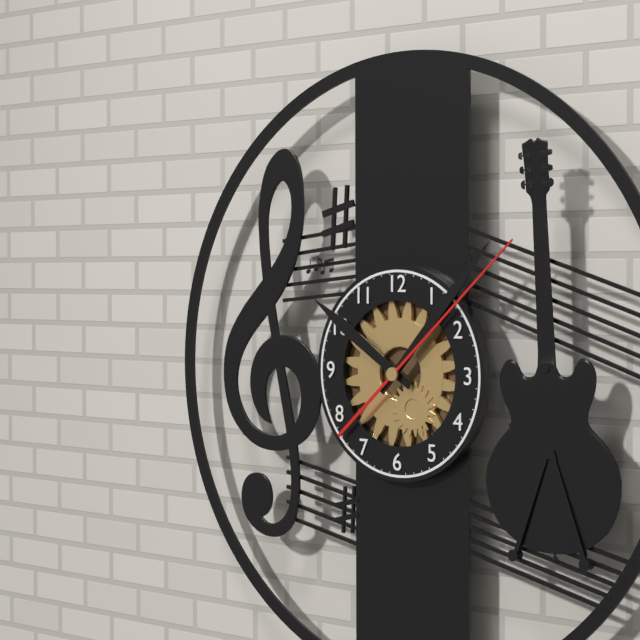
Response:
h=10 m=7 s=8
